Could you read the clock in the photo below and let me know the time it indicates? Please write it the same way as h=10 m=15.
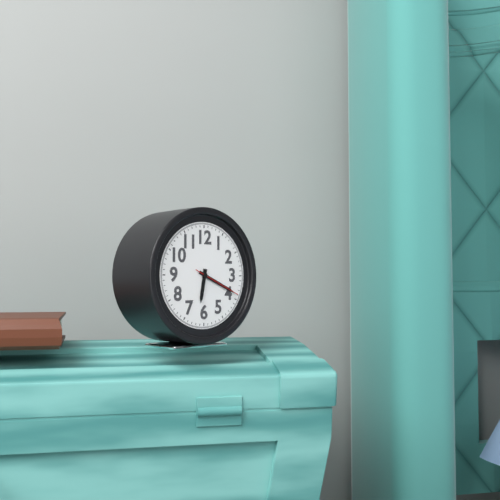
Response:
h=6 m=19
